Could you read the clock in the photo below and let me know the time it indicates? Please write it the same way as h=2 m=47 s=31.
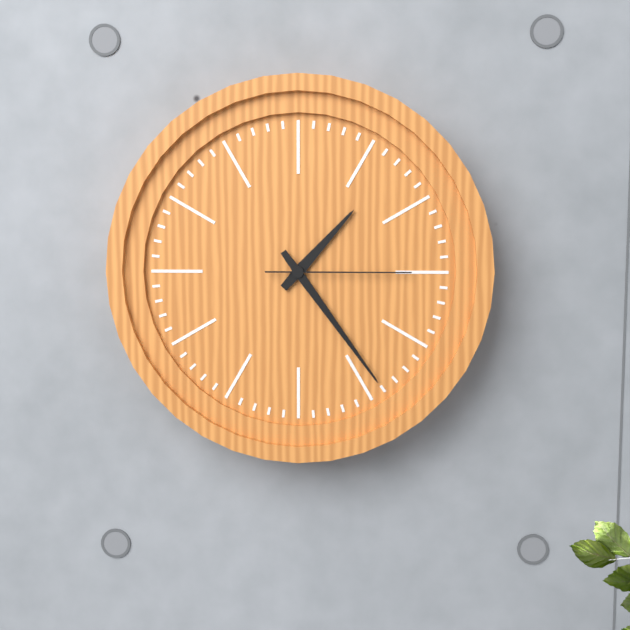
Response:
h=1 m=24 s=15
